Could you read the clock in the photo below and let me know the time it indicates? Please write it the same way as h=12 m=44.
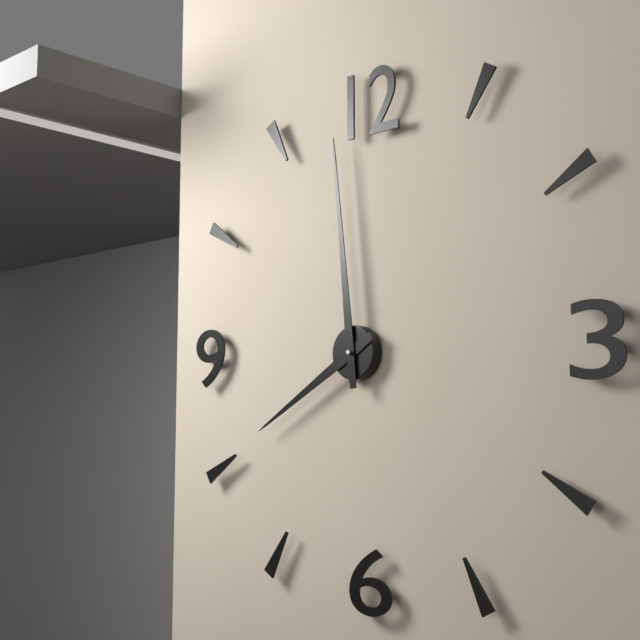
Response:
h=7 m=59
